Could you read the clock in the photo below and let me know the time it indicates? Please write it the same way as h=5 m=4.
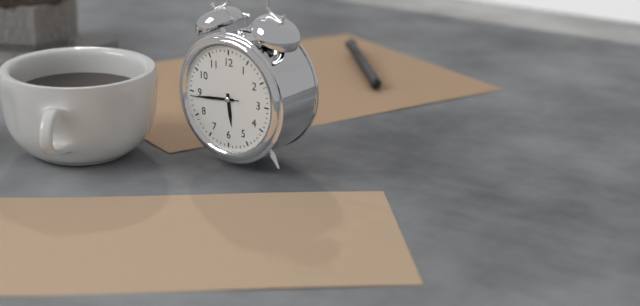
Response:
h=5 m=44
